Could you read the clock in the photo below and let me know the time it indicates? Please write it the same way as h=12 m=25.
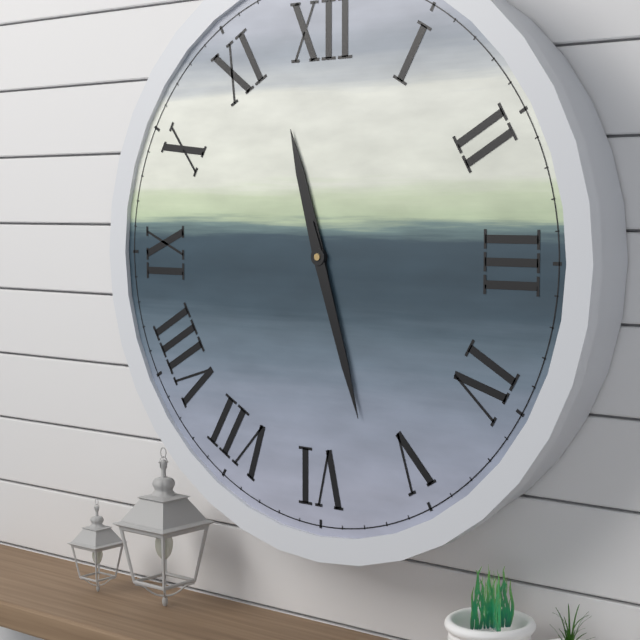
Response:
h=11 m=27
